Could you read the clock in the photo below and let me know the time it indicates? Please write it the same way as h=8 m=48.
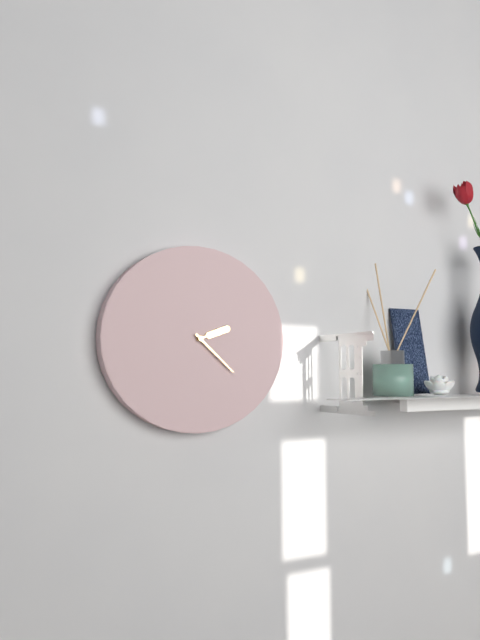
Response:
h=2 m=22
